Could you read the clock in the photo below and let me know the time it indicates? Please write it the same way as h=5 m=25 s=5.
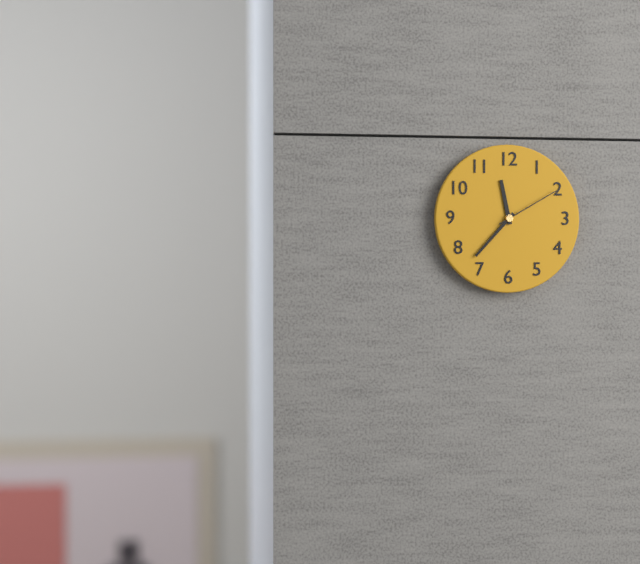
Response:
h=11 m=37 s=10
